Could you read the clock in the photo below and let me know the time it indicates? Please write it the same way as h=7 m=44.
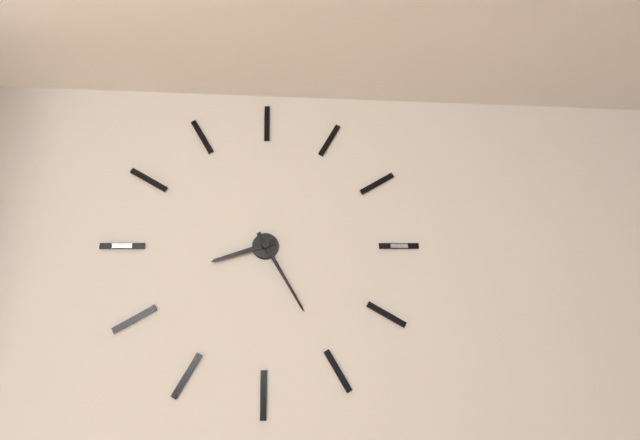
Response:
h=8 m=25
